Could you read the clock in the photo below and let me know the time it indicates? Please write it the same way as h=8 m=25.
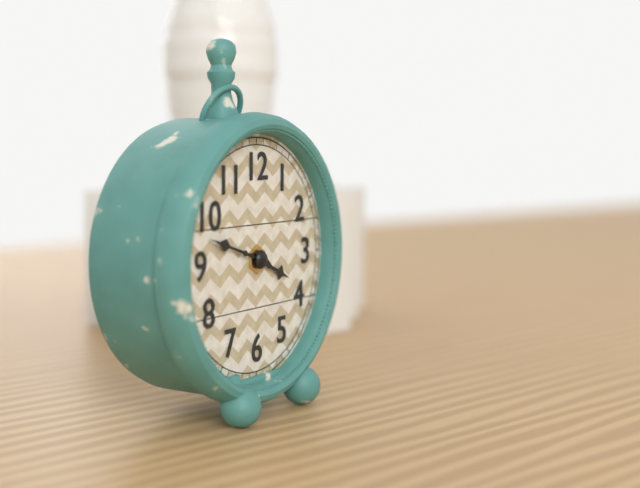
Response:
h=3 m=48
